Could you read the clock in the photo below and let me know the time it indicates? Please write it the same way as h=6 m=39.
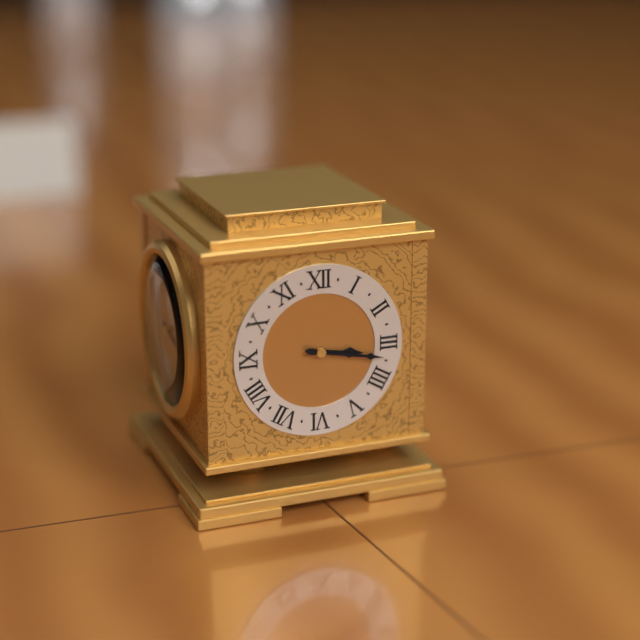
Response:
h=3 m=17
